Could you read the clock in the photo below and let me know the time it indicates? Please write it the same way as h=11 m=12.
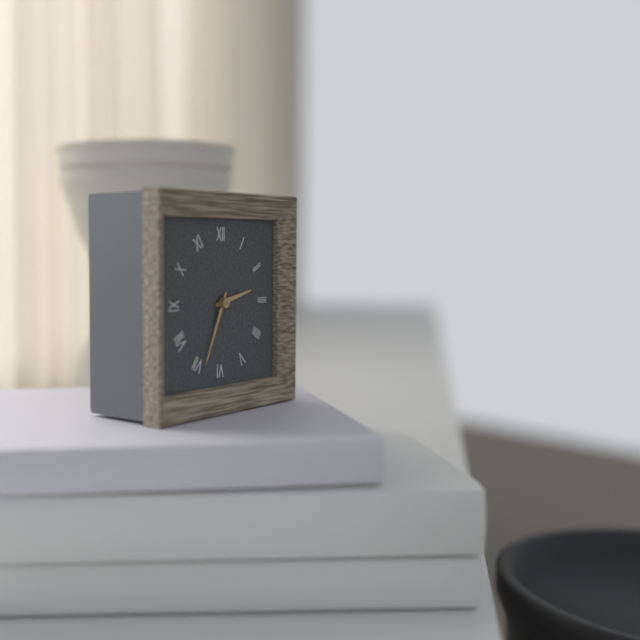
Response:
h=2 m=34
